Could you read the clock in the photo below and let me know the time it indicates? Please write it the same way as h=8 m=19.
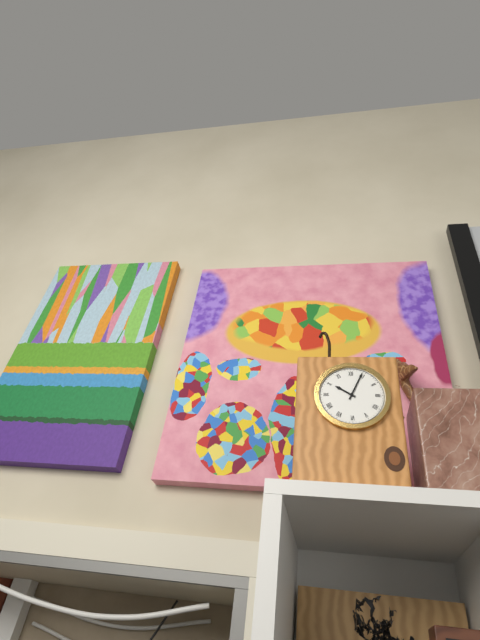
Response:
h=10 m=4
